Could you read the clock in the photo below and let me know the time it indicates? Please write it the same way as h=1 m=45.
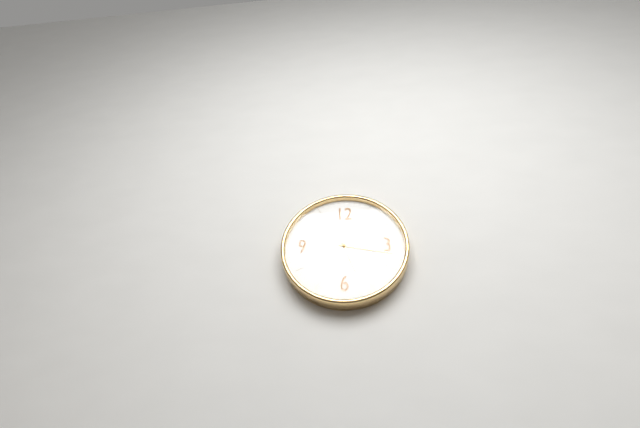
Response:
h=5 m=17
